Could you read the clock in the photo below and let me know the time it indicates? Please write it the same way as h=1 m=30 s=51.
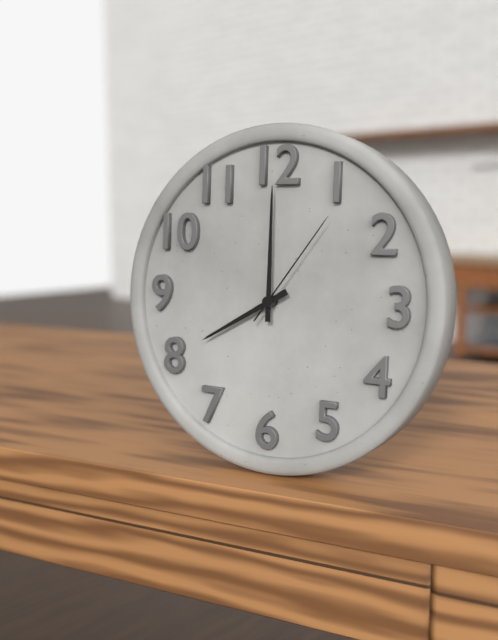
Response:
h=8 m=0 s=6
